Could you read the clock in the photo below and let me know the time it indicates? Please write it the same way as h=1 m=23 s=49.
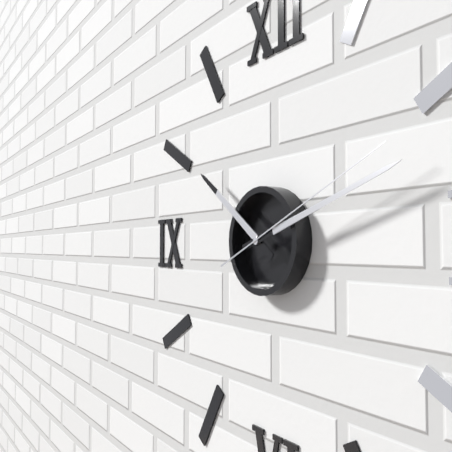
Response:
h=10 m=12 s=11
